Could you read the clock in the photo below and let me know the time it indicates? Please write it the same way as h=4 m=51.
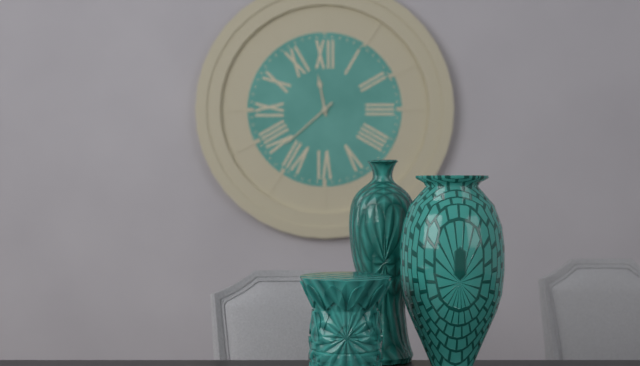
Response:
h=11 m=38
